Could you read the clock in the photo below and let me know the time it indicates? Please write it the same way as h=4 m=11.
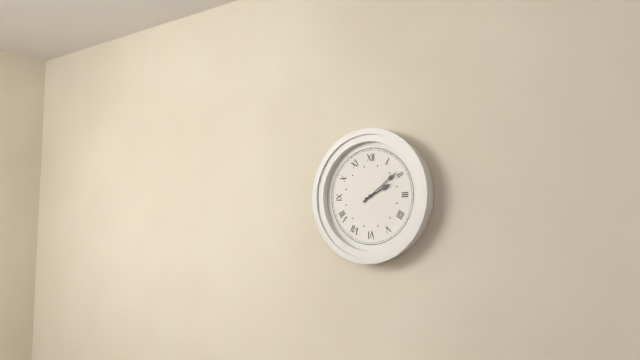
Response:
h=2 m=9
